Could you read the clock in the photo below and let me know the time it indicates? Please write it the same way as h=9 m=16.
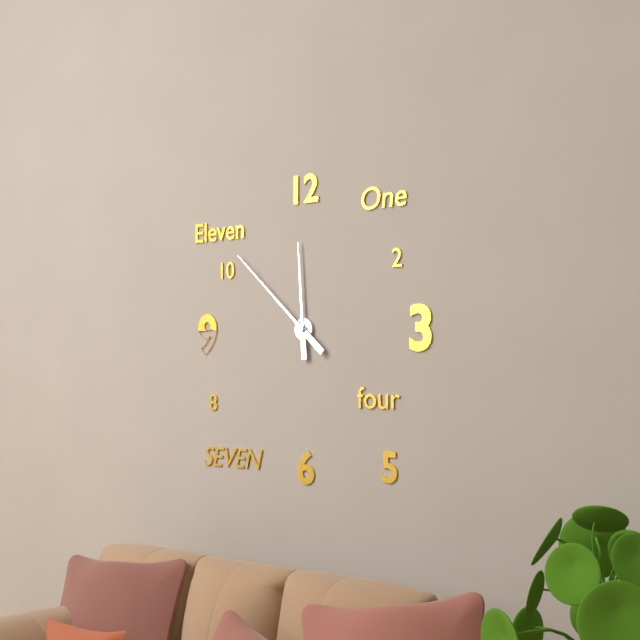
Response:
h=11 m=52
